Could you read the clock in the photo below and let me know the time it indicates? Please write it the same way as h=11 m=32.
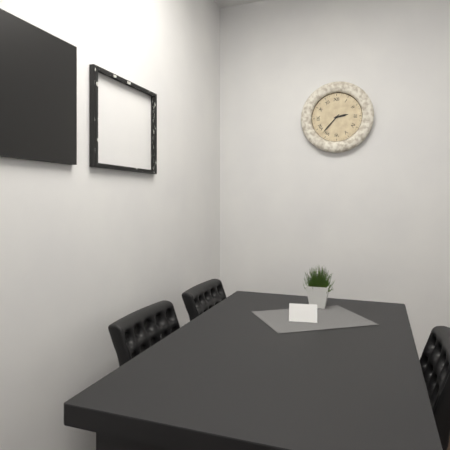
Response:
h=2 m=37
